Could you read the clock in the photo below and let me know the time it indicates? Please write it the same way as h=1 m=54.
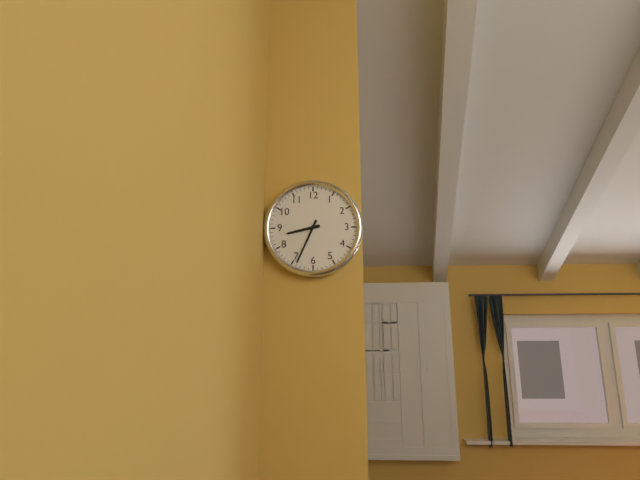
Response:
h=8 m=34
